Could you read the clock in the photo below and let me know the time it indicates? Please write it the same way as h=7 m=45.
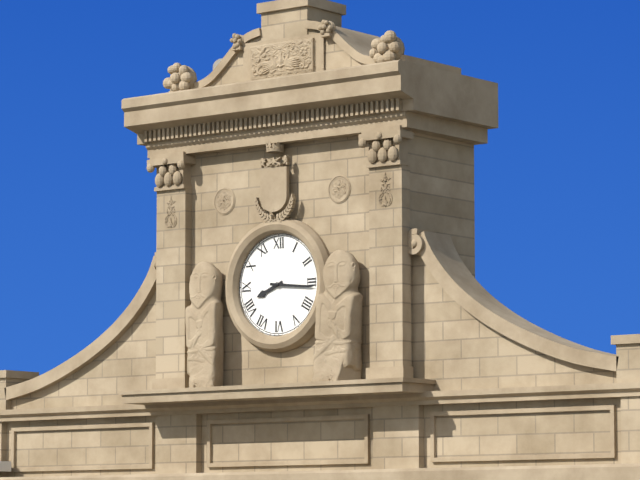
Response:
h=8 m=16
